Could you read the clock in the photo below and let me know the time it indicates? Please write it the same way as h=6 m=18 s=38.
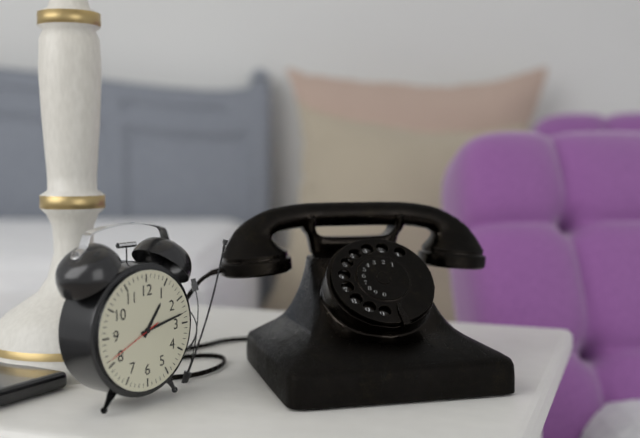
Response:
h=1 m=13 s=41
